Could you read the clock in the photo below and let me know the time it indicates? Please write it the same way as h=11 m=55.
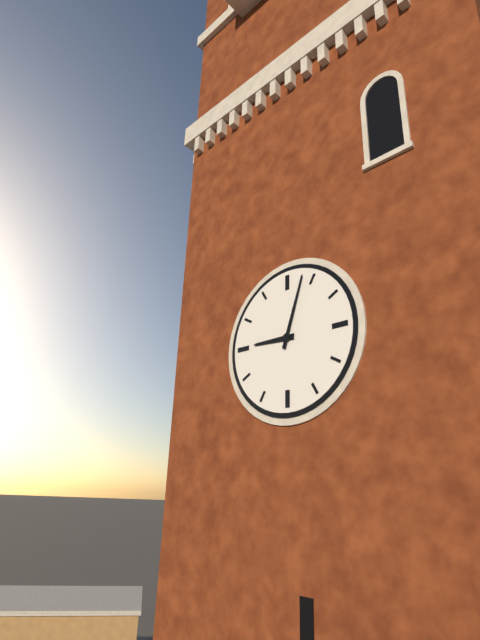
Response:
h=9 m=3
